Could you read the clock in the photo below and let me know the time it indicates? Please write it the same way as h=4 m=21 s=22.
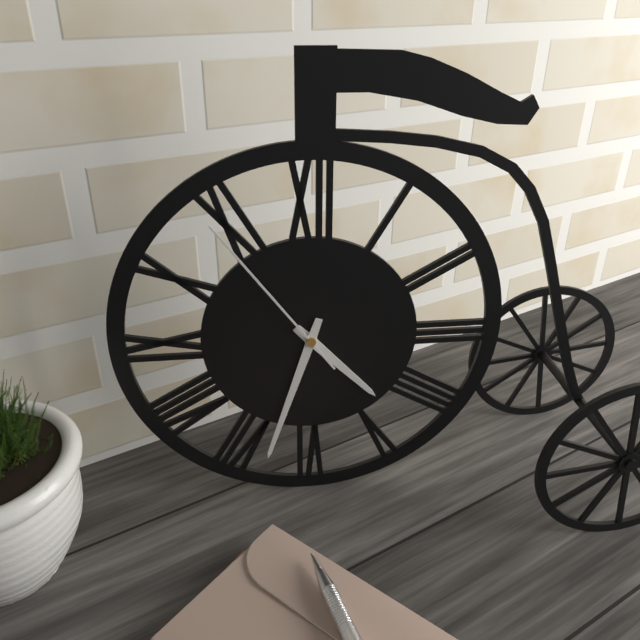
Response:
h=4 m=33 s=54
